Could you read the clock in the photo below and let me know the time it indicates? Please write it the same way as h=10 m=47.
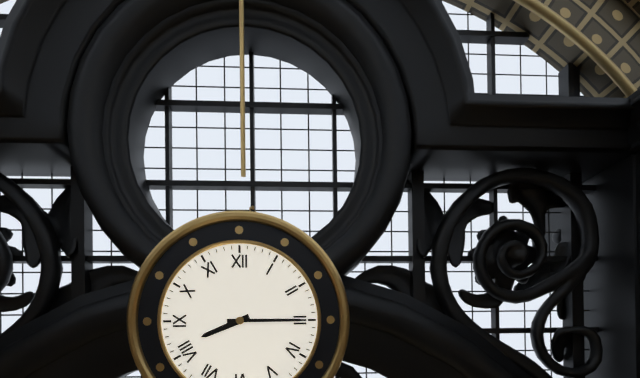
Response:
h=8 m=15
